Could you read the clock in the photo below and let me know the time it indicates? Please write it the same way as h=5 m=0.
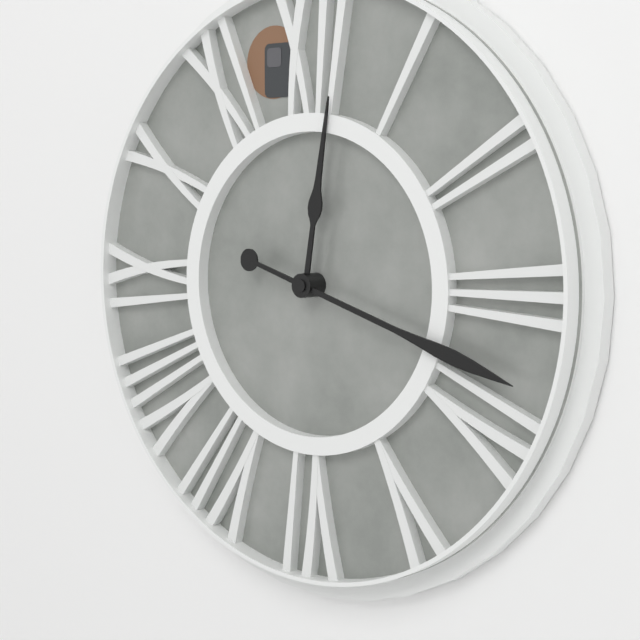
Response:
h=12 m=18
